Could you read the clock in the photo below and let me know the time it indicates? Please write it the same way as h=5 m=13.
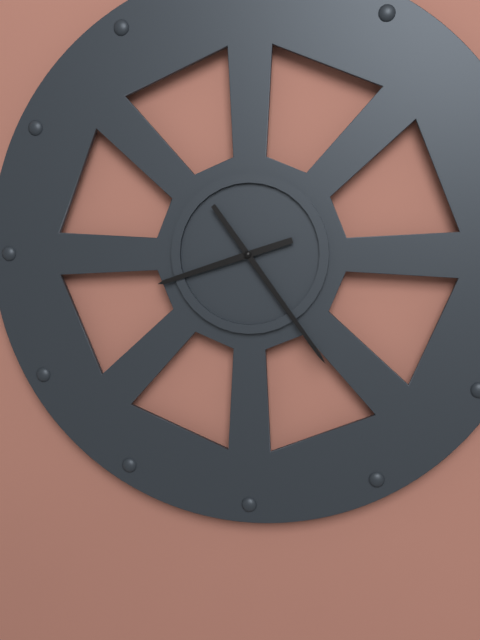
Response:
h=8 m=24
